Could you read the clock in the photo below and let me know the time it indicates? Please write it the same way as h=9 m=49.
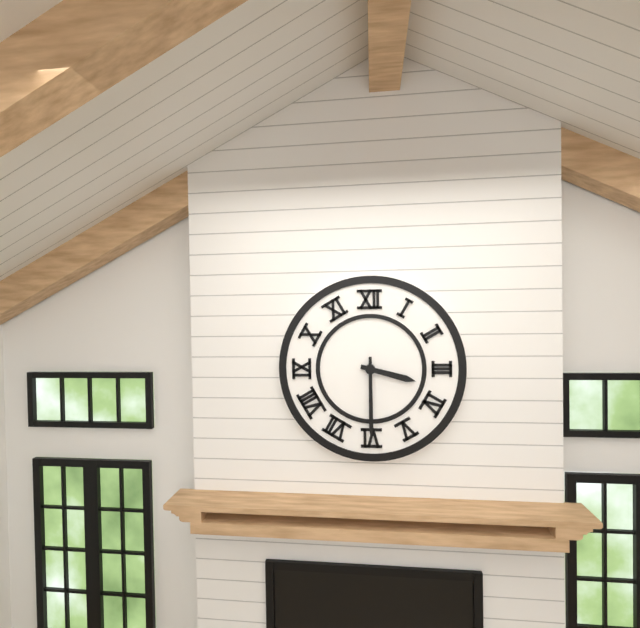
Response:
h=3 m=30
